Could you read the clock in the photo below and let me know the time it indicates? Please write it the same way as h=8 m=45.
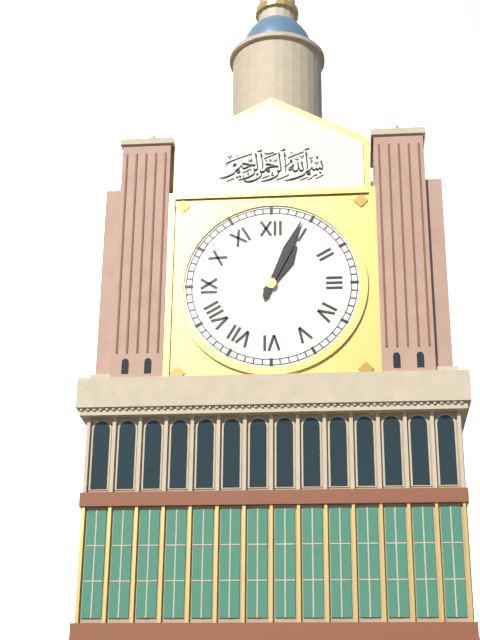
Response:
h=1 m=4
